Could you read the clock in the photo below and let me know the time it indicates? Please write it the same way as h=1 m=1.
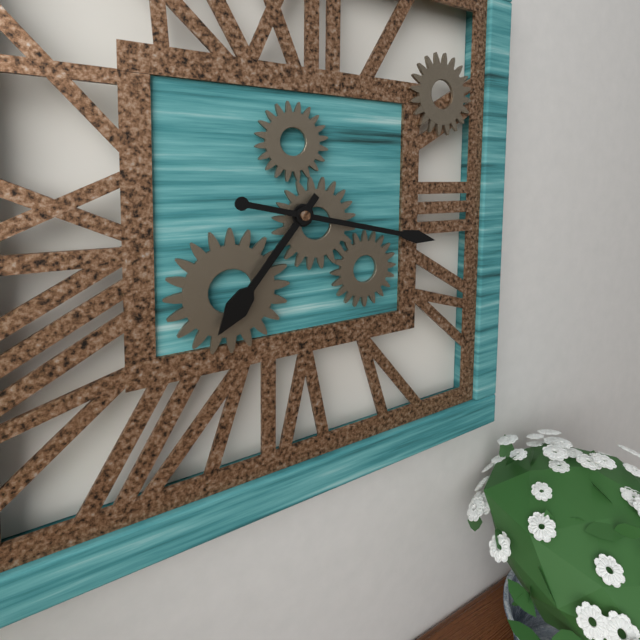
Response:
h=7 m=17
